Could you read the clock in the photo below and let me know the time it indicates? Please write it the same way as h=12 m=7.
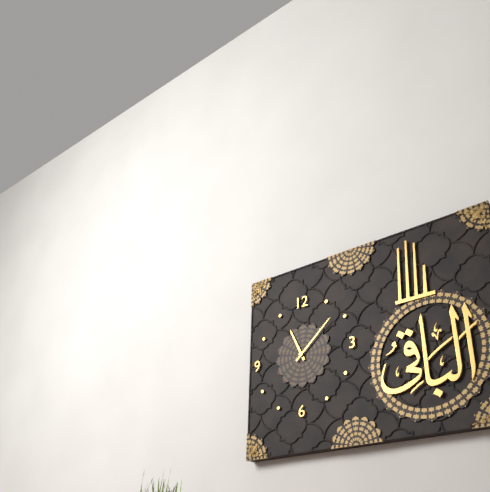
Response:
h=11 m=8
